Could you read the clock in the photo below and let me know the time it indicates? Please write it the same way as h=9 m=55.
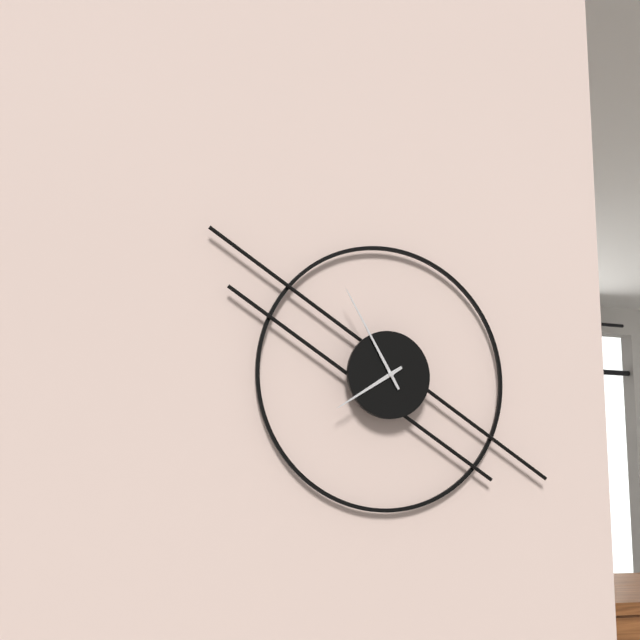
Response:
h=7 m=55
